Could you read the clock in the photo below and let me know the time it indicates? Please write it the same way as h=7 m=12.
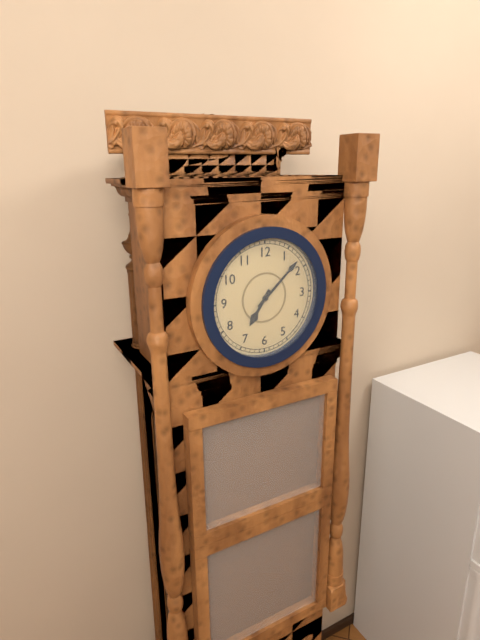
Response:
h=7 m=8
